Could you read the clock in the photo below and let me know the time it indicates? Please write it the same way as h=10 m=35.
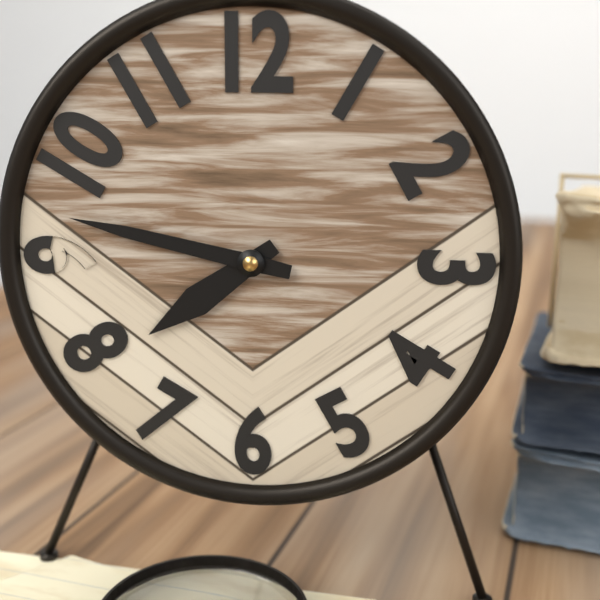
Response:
h=7 m=47
